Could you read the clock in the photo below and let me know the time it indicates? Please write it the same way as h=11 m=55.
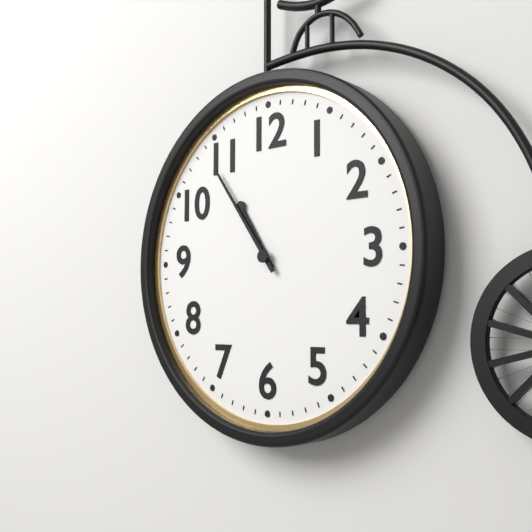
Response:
h=10 m=54
